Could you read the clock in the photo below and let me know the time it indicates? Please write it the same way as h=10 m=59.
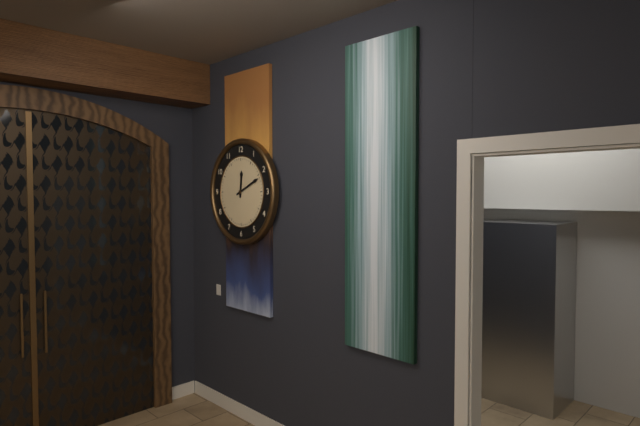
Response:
h=12 m=11
